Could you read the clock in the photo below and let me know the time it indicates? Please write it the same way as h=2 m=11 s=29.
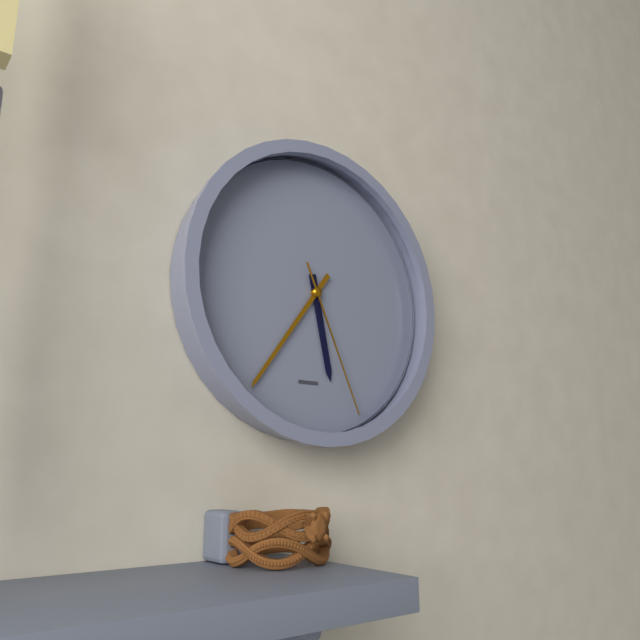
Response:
h=5 m=36 s=26
